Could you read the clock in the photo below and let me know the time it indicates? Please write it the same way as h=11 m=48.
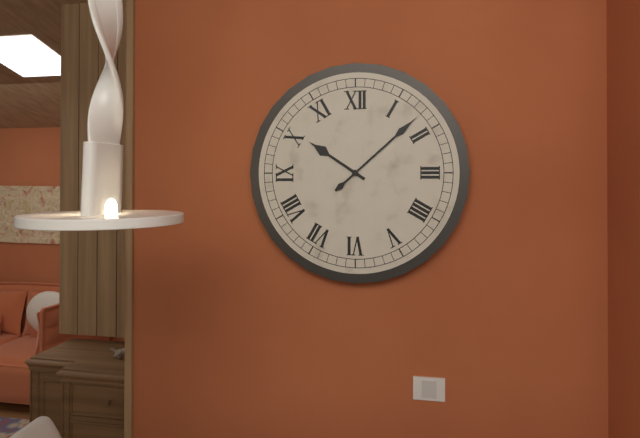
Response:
h=10 m=8
